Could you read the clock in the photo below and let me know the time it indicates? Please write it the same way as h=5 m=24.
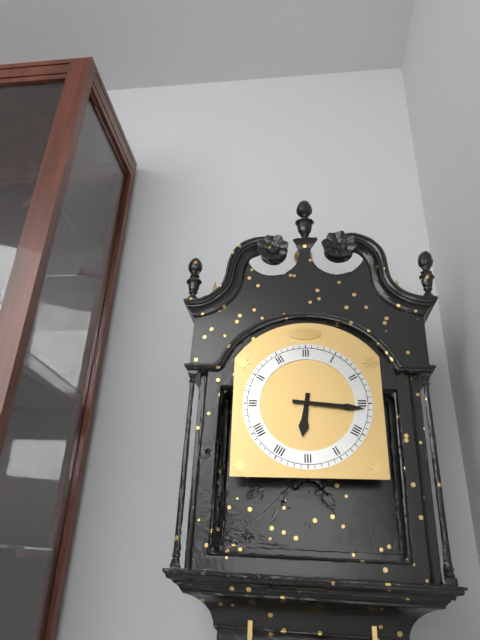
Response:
h=6 m=16
